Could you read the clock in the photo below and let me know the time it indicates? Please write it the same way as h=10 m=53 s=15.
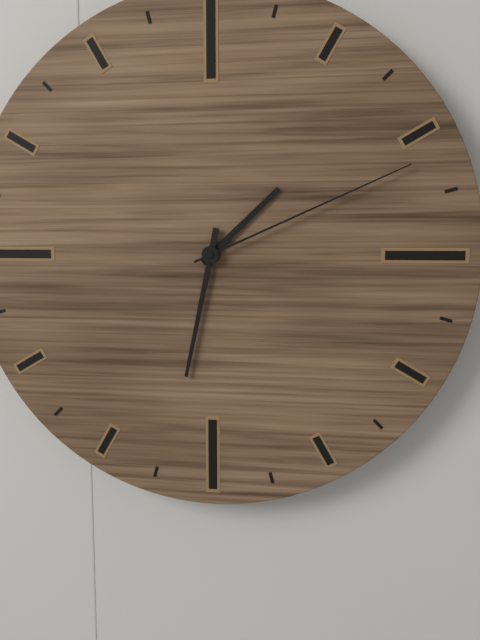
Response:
h=1 m=32 s=11
